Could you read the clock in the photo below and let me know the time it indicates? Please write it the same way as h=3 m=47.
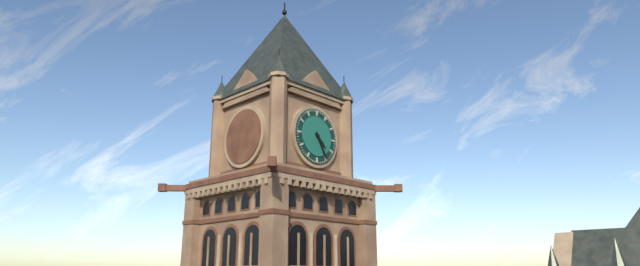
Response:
h=4 m=25
